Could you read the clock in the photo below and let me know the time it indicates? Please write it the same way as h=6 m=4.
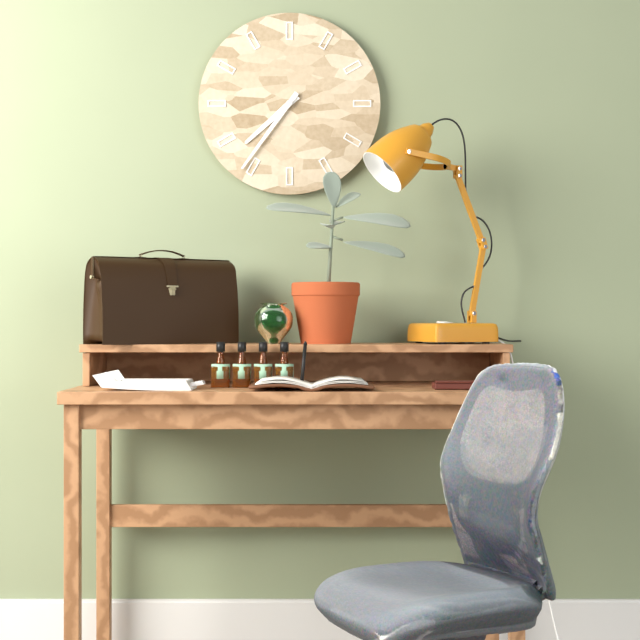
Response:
h=7 m=36
